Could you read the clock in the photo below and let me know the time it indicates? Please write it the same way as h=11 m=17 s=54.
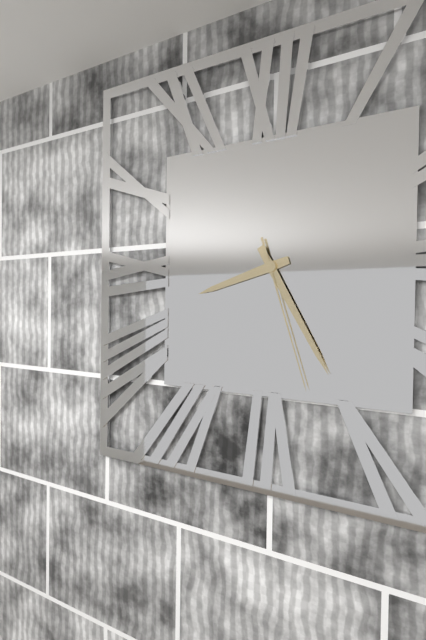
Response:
h=8 m=25 s=27
